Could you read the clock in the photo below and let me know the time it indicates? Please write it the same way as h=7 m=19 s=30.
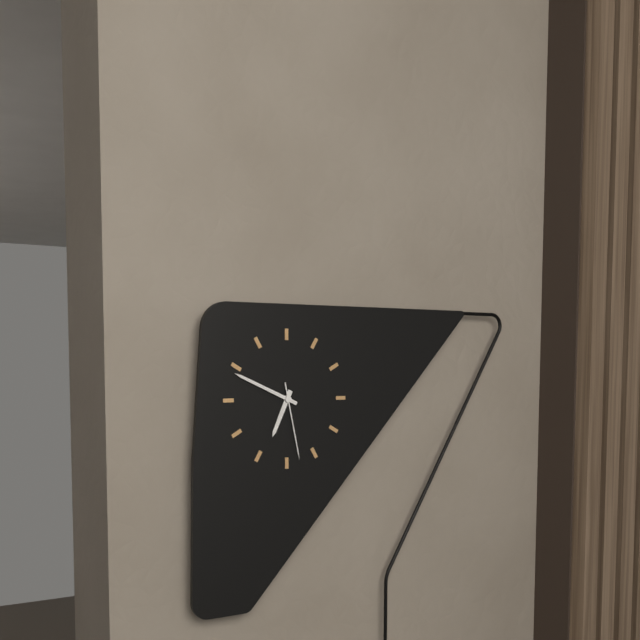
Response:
h=6 m=49 s=28
